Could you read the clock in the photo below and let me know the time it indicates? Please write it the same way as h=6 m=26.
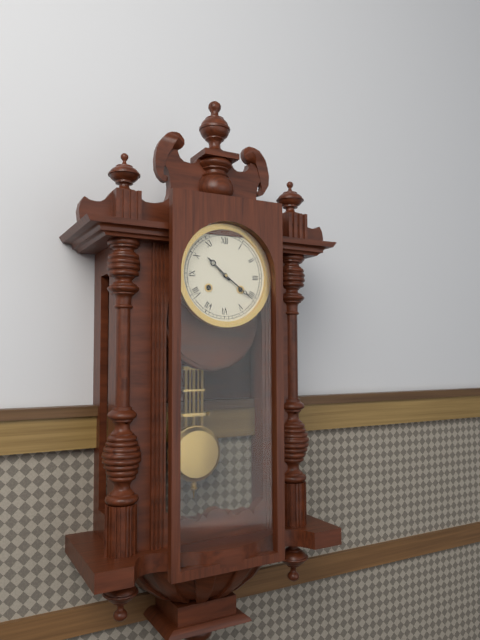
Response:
h=10 m=21
